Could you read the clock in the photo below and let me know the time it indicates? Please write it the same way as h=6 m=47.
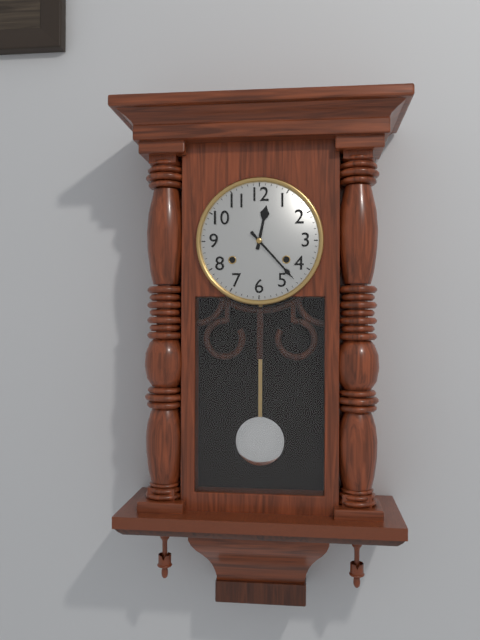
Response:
h=12 m=23
